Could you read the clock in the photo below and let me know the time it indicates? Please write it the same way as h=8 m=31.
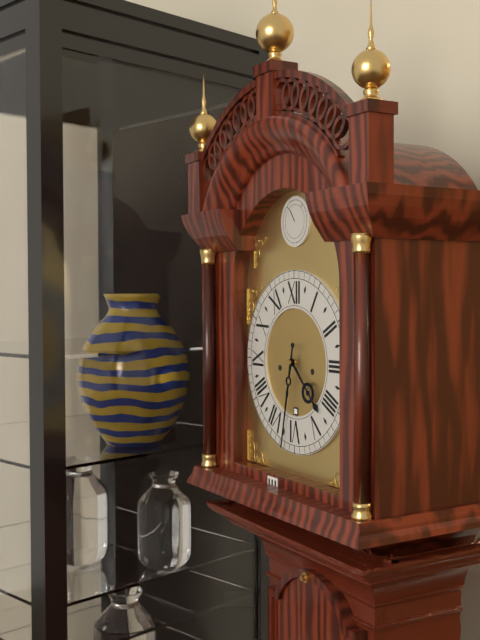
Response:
h=4 m=32
